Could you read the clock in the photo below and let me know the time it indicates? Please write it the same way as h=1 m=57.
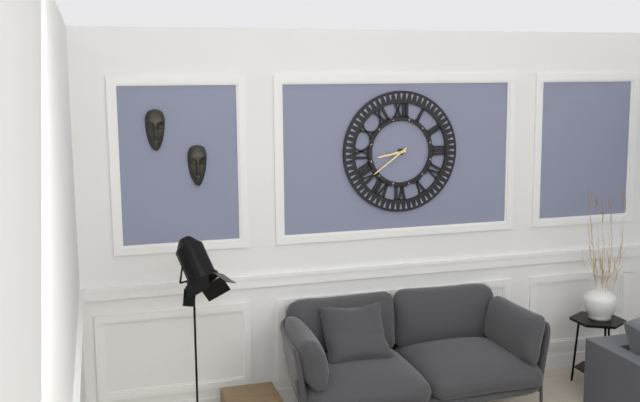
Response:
h=8 m=39
